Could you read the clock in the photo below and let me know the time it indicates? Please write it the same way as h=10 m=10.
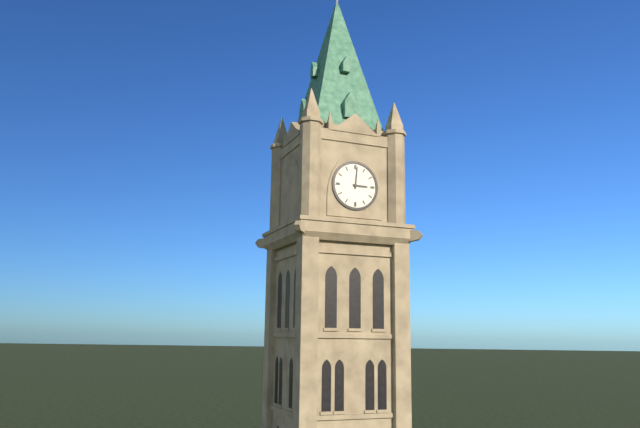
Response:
h=3 m=1
